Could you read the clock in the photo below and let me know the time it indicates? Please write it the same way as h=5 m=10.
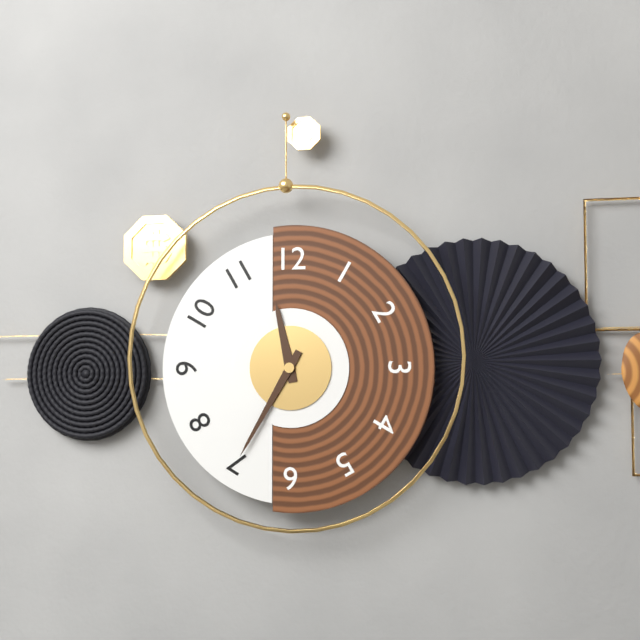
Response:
h=11 m=35
